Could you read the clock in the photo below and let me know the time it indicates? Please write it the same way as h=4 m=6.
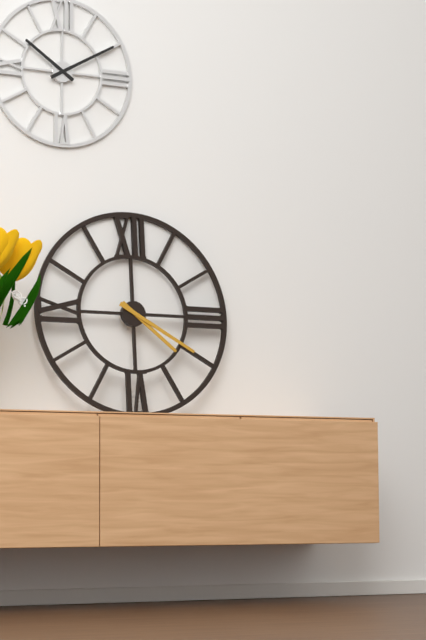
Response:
h=4 m=20
